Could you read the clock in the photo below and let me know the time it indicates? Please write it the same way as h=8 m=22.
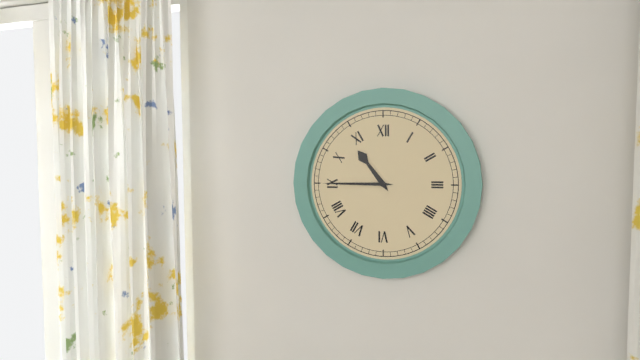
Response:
h=10 m=45
